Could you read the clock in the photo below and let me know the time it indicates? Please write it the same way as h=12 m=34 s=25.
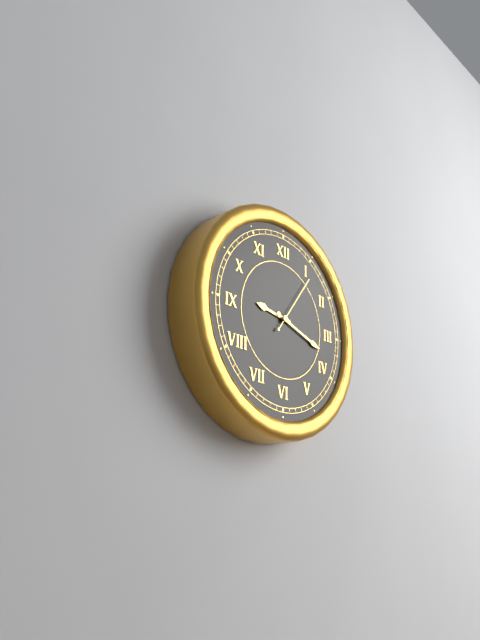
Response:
h=9 m=18 s=6
